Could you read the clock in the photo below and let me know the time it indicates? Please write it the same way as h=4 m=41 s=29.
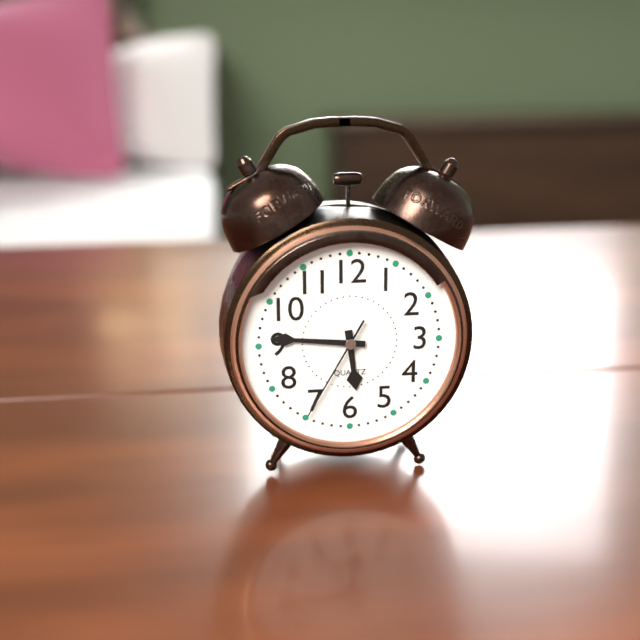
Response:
h=5 m=46 s=35
